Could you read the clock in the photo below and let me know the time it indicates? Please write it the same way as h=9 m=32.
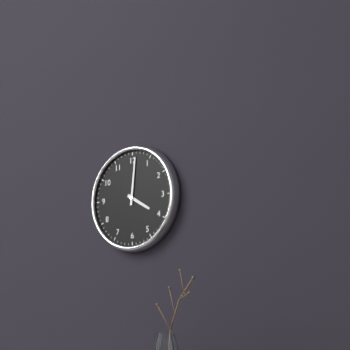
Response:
h=4 m=1
